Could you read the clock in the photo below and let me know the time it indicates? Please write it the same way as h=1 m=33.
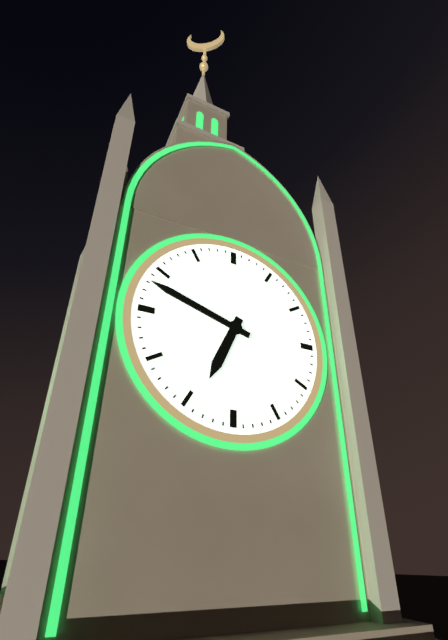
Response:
h=6 m=48
